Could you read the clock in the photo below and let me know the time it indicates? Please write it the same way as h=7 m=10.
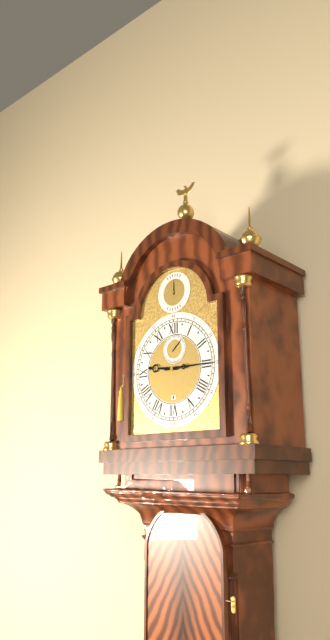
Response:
h=9 m=15
